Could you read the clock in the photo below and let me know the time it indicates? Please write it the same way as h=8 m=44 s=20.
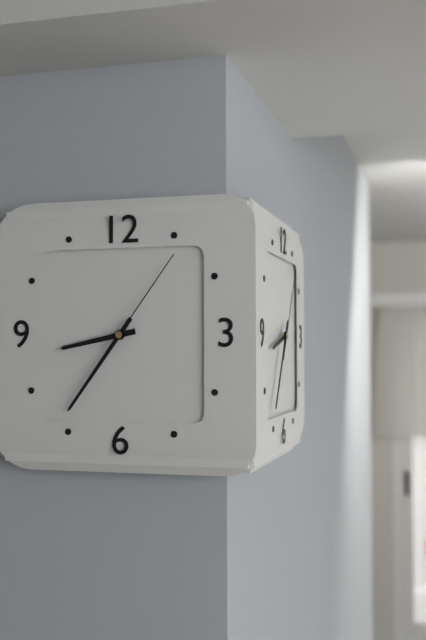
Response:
h=8 m=36 s=6
